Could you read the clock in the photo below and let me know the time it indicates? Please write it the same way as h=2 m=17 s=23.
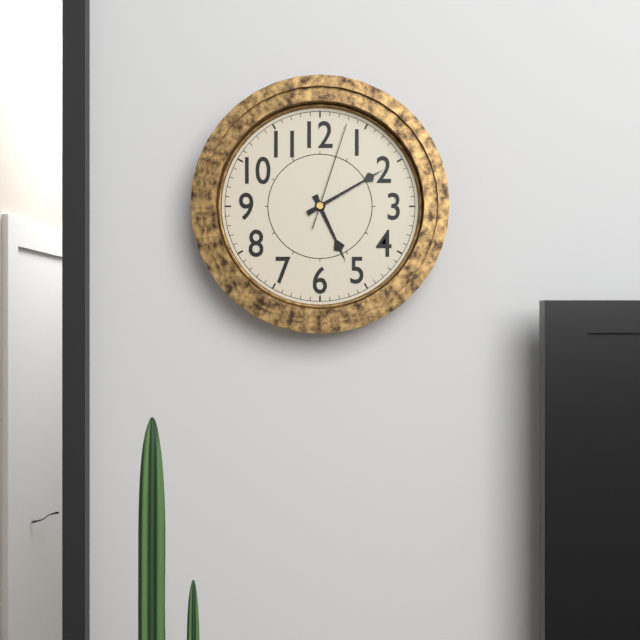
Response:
h=5 m=10 s=3
